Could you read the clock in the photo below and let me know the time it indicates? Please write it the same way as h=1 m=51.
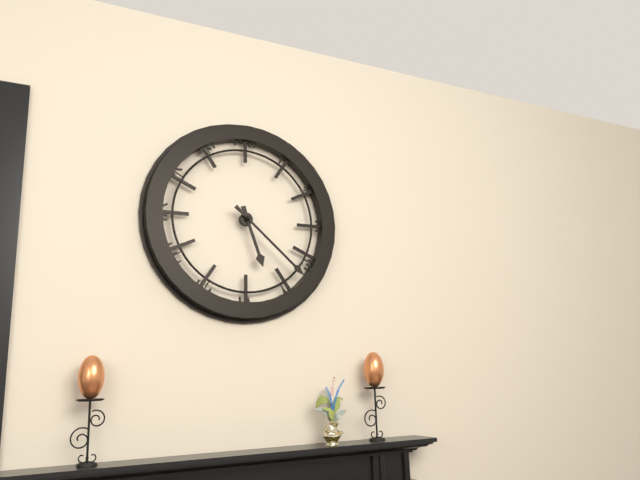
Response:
h=5 m=22
